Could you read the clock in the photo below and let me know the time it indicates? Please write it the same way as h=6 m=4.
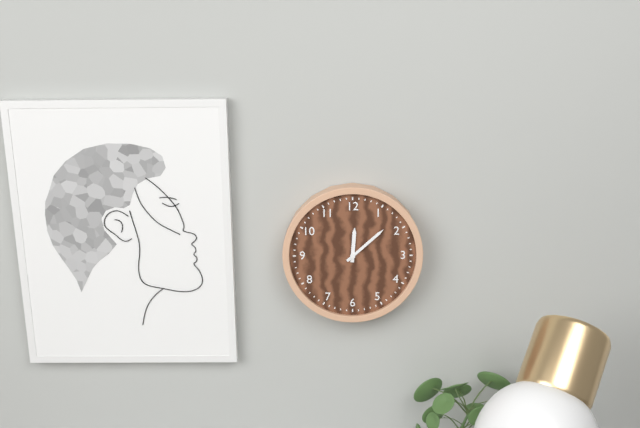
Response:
h=12 m=8
